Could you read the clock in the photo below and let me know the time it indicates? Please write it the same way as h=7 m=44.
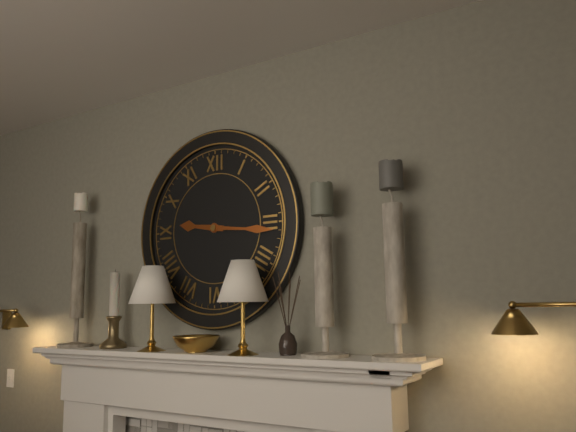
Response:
h=9 m=16
